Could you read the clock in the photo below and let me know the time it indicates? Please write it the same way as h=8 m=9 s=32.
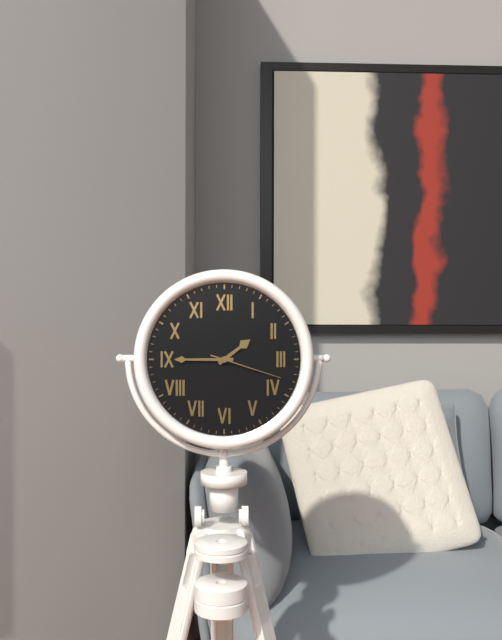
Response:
h=1 m=45 s=18
